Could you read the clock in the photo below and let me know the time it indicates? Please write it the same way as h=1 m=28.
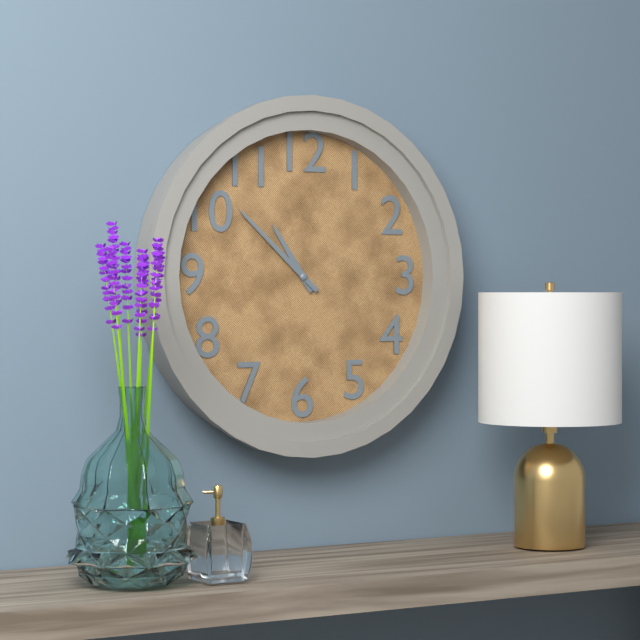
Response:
h=10 m=52
